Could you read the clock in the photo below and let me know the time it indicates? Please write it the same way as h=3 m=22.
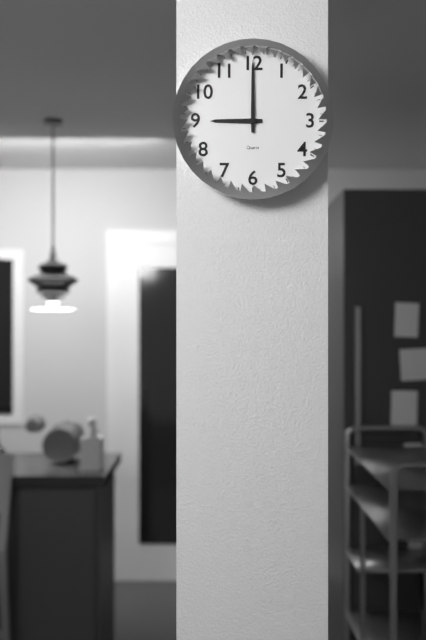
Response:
h=9 m=0
